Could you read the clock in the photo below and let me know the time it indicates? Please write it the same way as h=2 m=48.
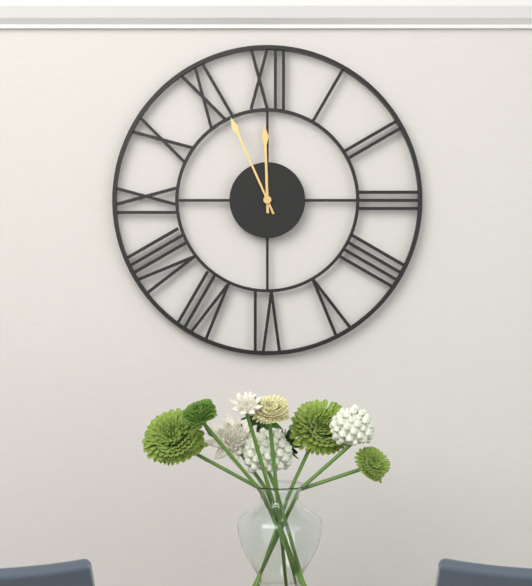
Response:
h=11 m=56
